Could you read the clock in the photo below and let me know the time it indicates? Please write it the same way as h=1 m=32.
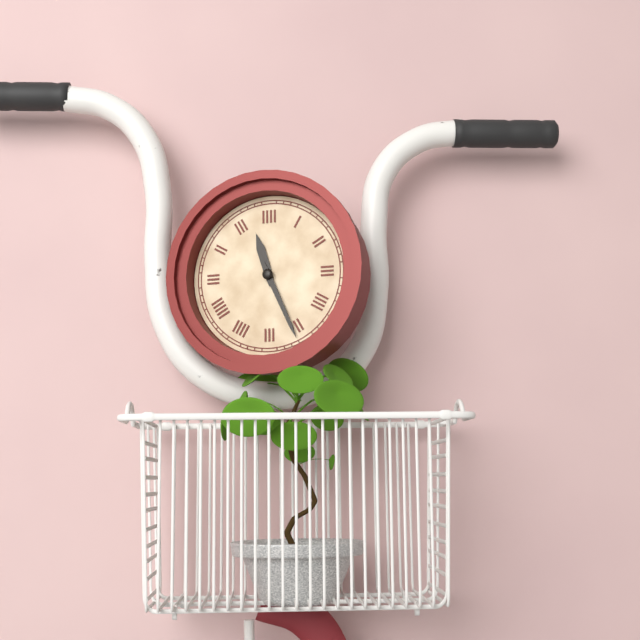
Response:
h=11 m=26
